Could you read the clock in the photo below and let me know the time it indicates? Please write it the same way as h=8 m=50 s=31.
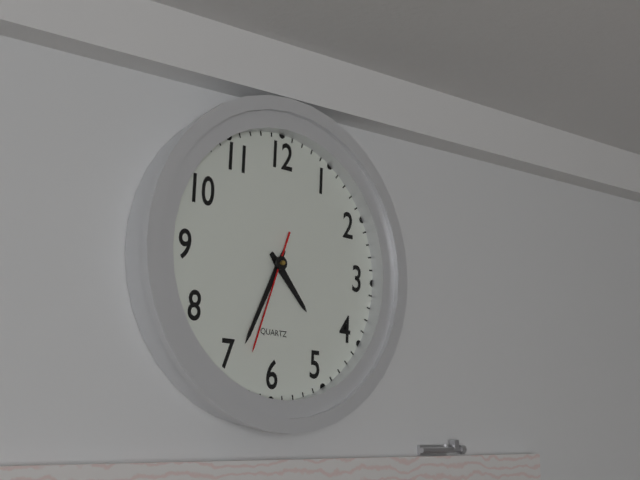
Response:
h=4 m=34 s=33
